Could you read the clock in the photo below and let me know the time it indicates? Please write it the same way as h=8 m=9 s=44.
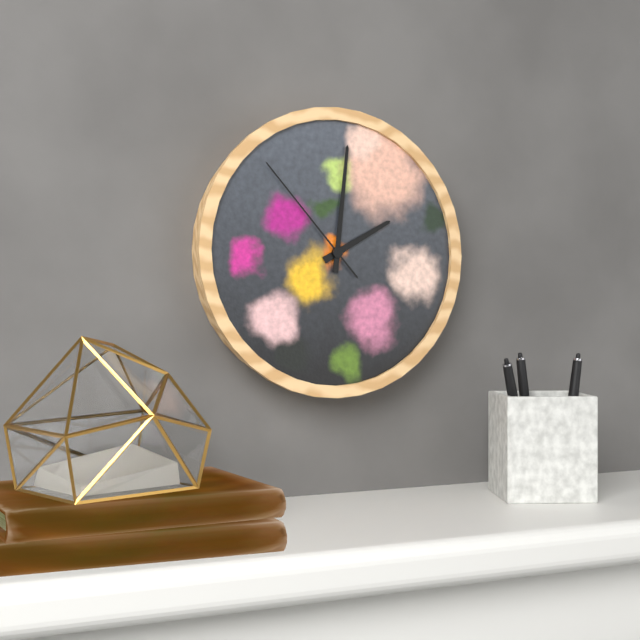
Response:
h=2 m=1 s=53
